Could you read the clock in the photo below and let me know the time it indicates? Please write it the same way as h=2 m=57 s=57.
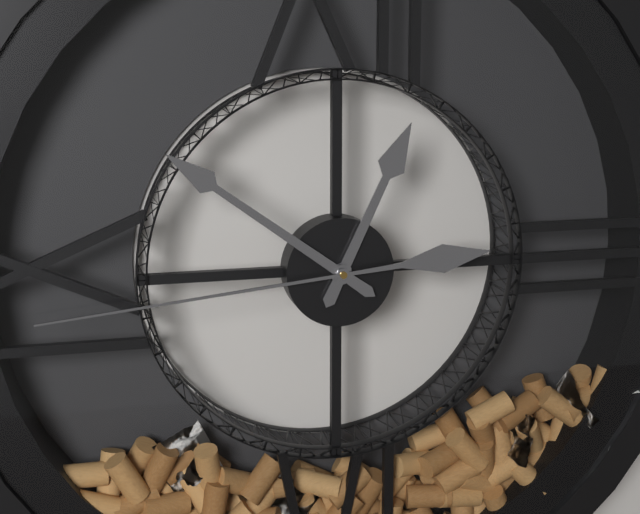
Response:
h=12 m=51 s=44
